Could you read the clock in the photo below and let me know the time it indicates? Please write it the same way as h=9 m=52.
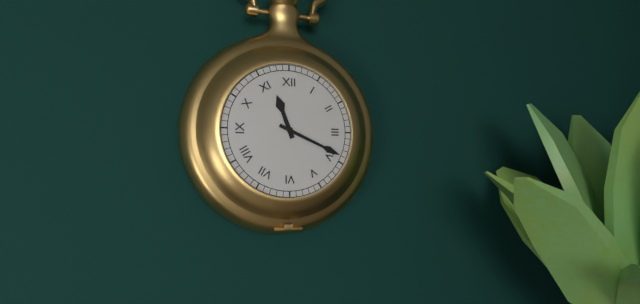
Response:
h=11 m=19
